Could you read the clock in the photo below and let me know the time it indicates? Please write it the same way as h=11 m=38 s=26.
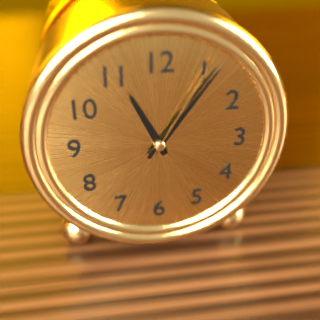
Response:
h=11 m=6 s=5
